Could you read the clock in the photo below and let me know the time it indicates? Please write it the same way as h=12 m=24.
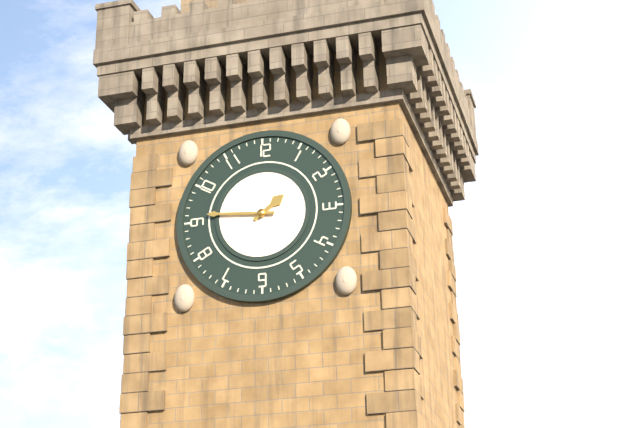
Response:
h=1 m=46
